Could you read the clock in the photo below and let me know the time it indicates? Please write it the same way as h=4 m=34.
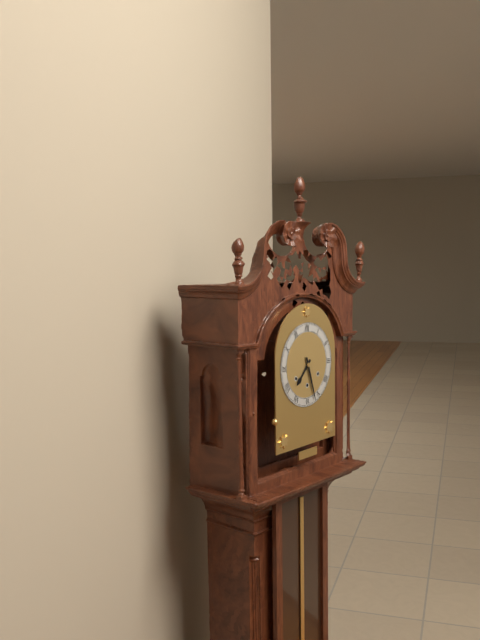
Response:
h=7 m=27
